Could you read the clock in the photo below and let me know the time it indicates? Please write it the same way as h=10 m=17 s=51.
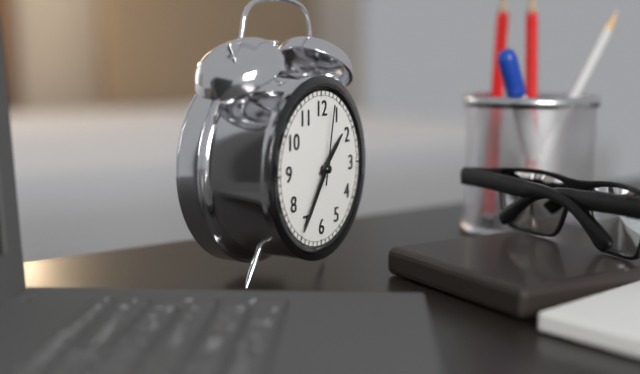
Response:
h=1 m=36 s=2
